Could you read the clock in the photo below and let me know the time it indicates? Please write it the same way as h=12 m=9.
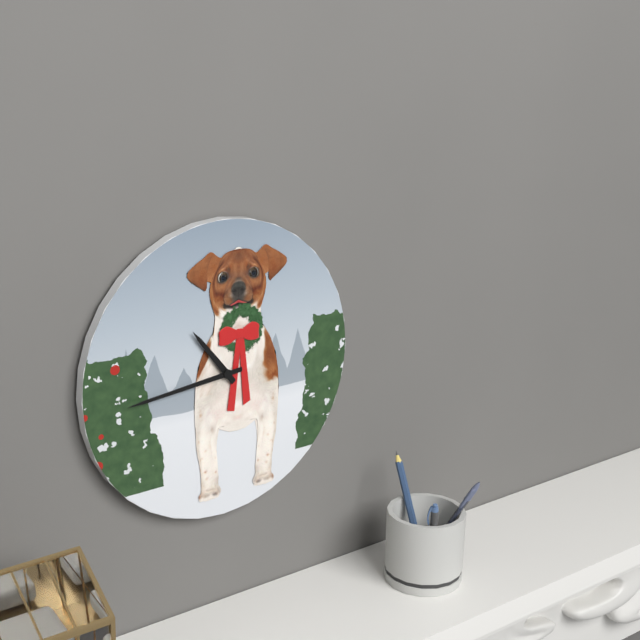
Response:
h=10 m=44
